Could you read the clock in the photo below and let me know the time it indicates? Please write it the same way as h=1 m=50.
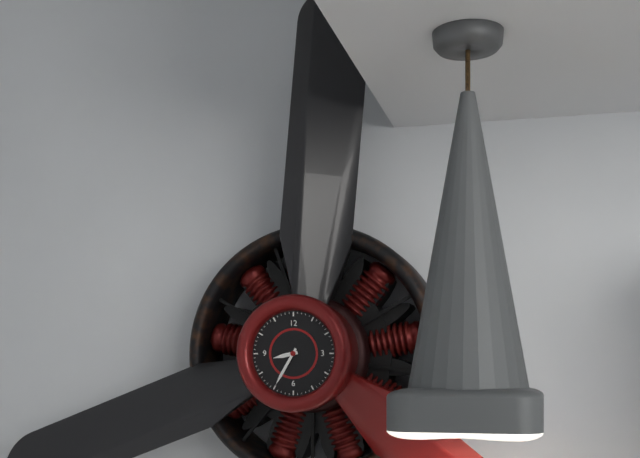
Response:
h=8 m=35
